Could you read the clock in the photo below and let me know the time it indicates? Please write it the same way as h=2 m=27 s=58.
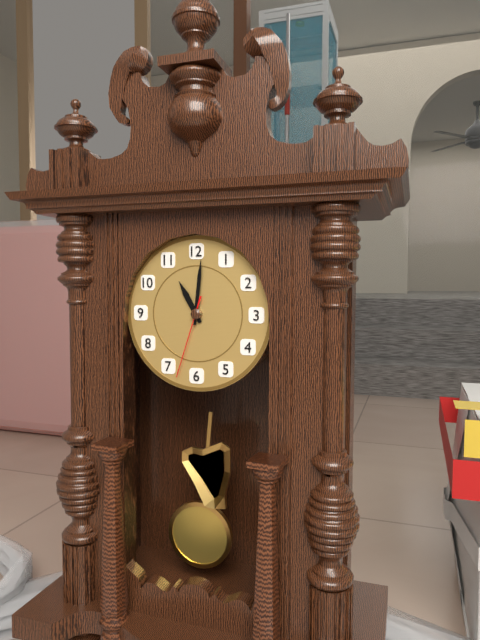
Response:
h=11 m=1 s=33
